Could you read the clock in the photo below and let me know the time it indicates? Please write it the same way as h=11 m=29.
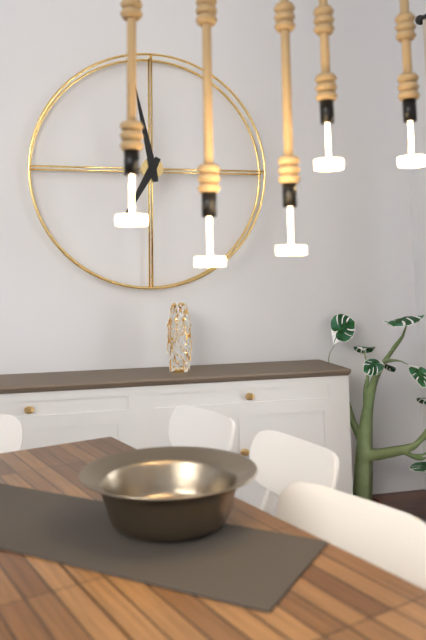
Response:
h=6 m=58
